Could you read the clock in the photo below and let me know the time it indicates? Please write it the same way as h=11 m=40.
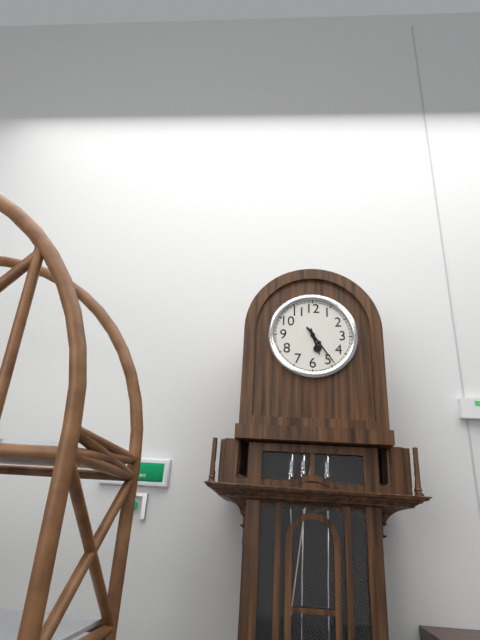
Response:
h=5 m=24
